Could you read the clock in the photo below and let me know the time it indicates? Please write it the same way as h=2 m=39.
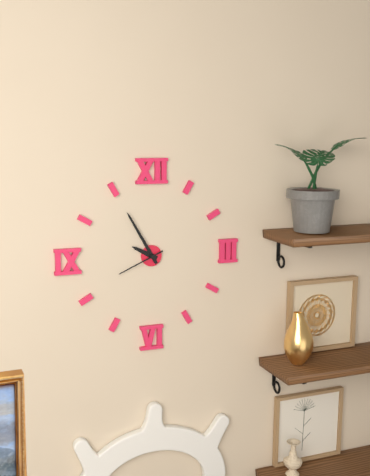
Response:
h=9 m=55
